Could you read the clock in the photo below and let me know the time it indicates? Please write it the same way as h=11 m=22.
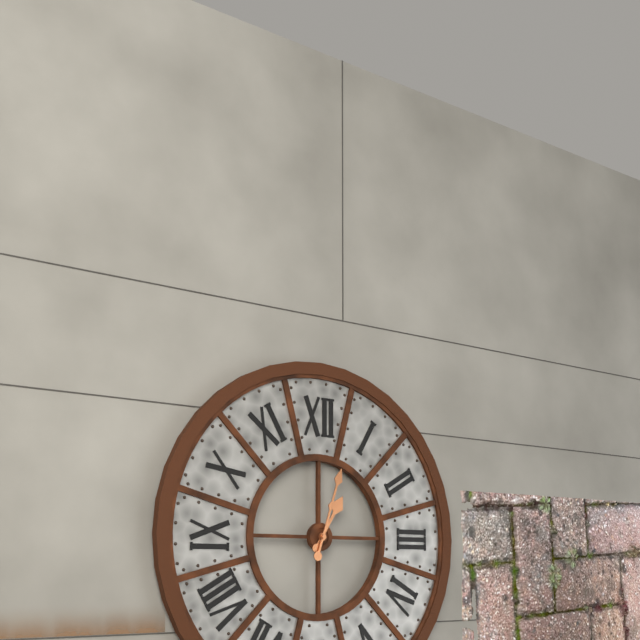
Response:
h=1 m=3
